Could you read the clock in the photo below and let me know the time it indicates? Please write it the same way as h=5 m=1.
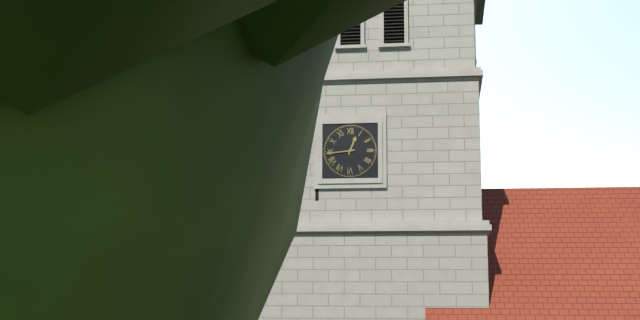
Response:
h=12 m=44
